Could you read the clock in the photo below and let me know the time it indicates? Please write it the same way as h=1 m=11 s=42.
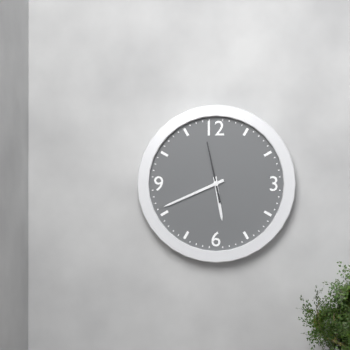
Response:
h=5 m=41 s=58
